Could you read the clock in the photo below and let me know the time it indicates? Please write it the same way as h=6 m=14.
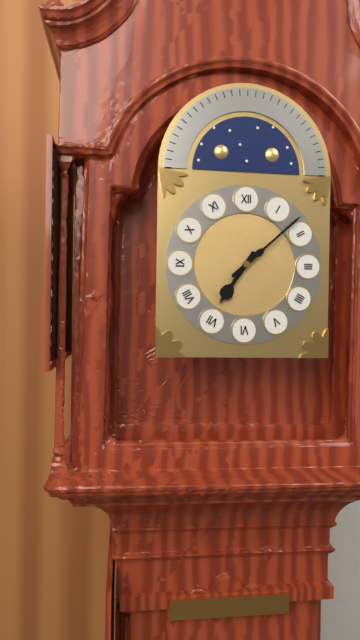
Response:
h=7 m=8
